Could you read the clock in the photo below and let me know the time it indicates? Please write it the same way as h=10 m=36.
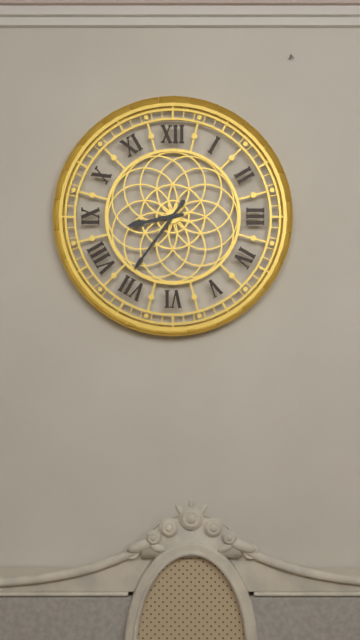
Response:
h=8 m=36
